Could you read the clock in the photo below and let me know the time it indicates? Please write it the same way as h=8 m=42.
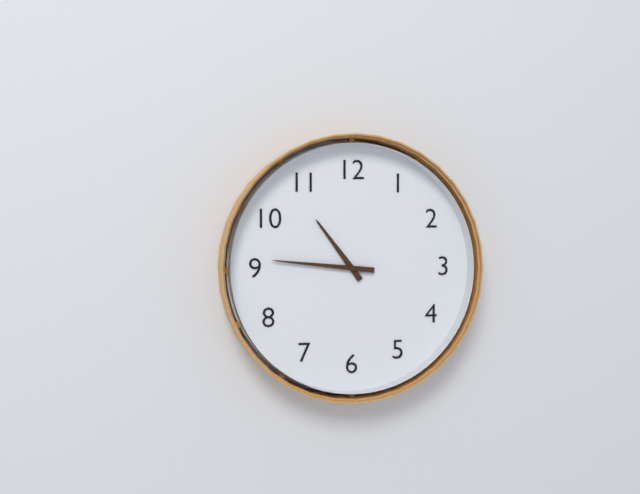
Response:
h=10 m=46
